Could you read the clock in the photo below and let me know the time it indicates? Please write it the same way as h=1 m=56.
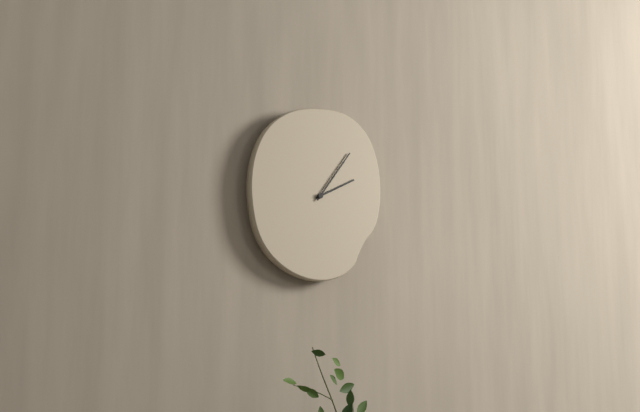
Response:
h=2 m=6
